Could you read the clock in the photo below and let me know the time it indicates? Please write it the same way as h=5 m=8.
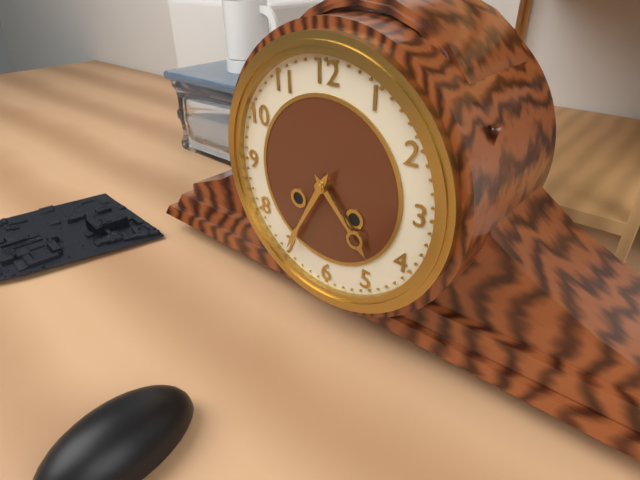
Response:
h=4 m=35
